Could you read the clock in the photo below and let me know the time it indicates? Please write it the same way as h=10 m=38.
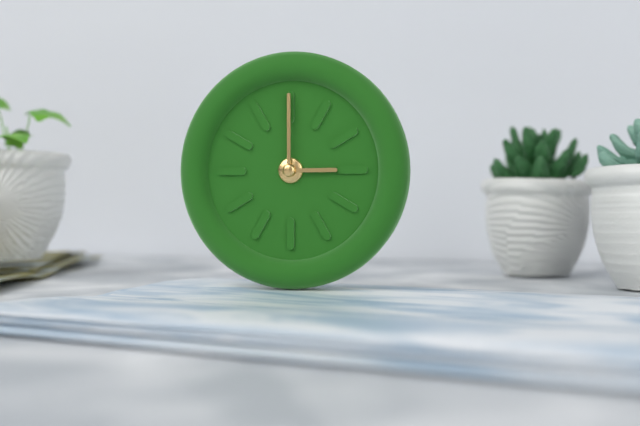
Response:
h=3 m=0
